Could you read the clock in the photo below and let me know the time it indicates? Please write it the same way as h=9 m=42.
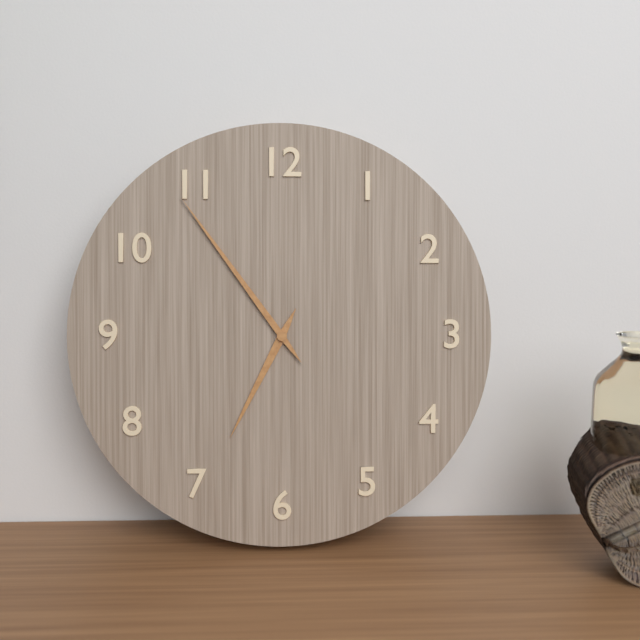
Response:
h=6 m=54
